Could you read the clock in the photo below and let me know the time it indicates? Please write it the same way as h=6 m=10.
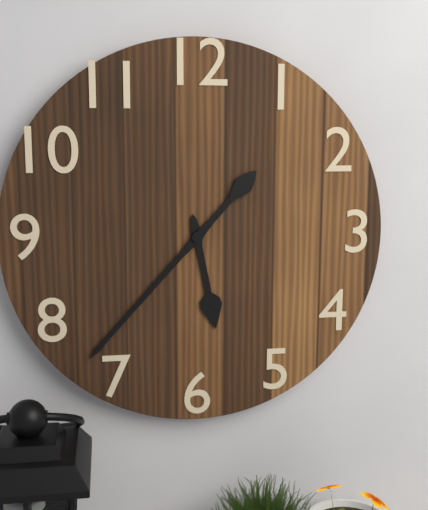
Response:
h=5 m=37
